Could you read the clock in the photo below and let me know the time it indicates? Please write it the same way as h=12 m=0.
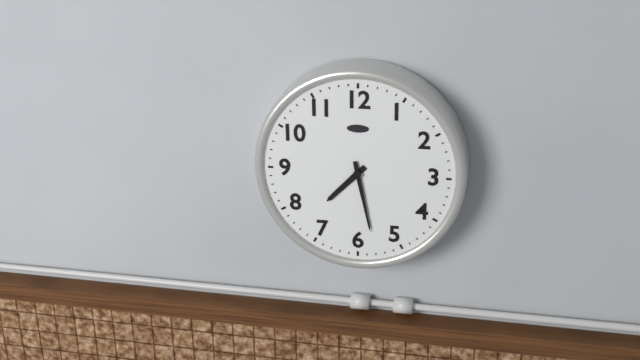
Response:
h=7 m=28
